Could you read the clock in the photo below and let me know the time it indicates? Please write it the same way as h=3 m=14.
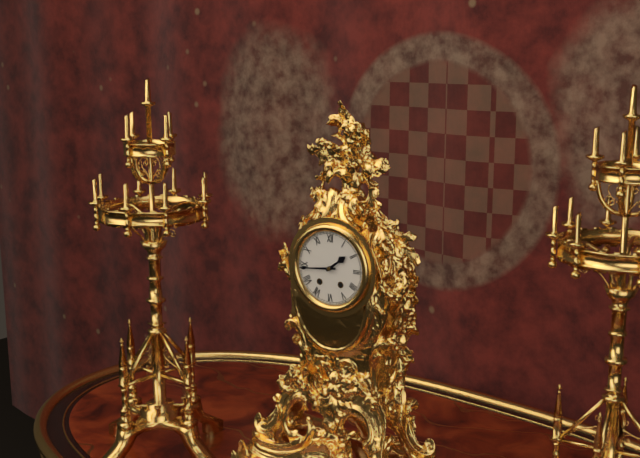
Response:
h=1 m=44
